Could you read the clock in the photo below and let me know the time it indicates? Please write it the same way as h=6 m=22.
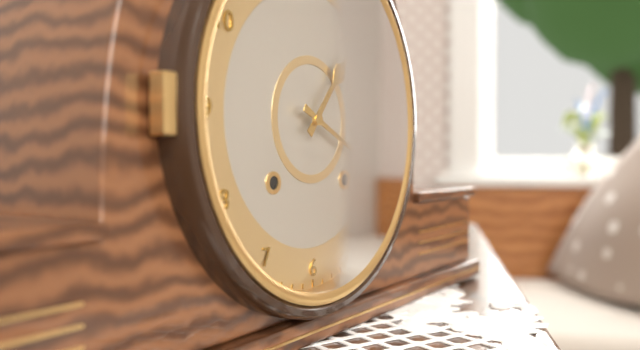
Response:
h=1 m=19
